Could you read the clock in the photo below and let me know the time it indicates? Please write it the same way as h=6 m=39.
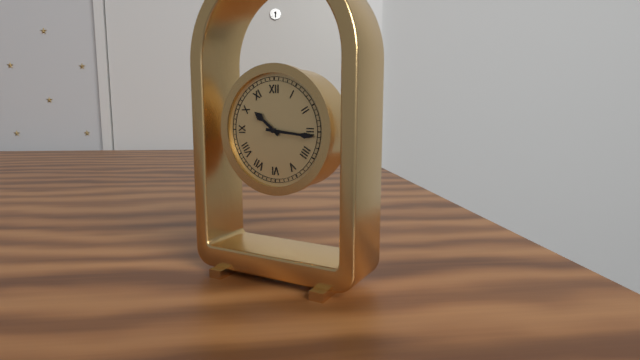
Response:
h=10 m=16
